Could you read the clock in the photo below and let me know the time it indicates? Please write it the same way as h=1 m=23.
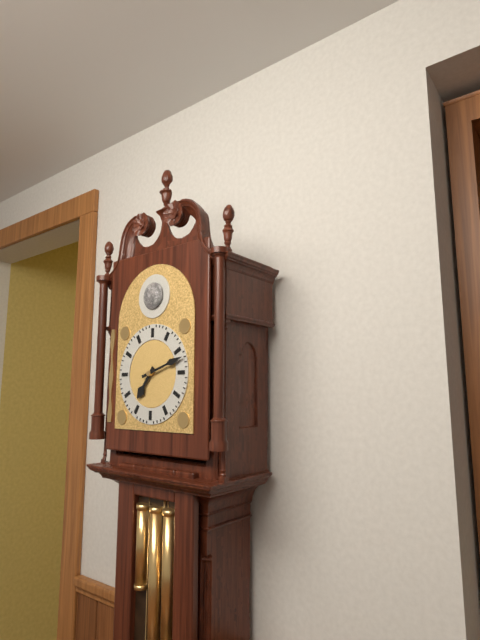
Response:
h=7 m=12
